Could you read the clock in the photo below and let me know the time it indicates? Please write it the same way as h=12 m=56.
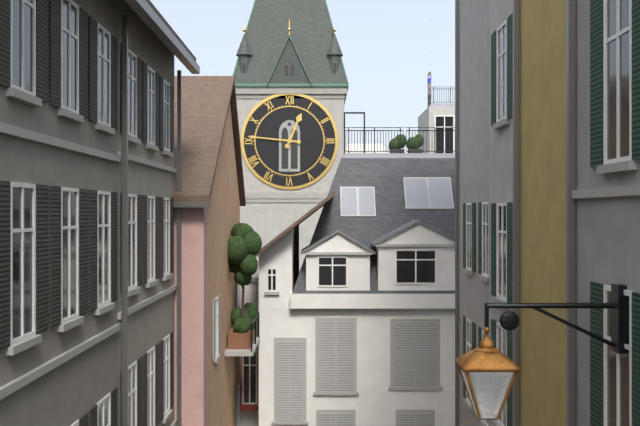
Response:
h=12 m=46
